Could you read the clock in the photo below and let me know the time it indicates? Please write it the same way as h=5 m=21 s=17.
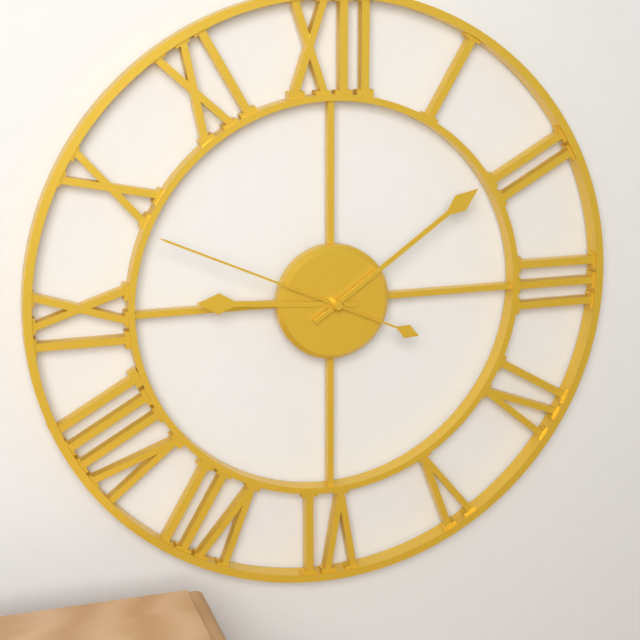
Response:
h=9 m=9 s=49
